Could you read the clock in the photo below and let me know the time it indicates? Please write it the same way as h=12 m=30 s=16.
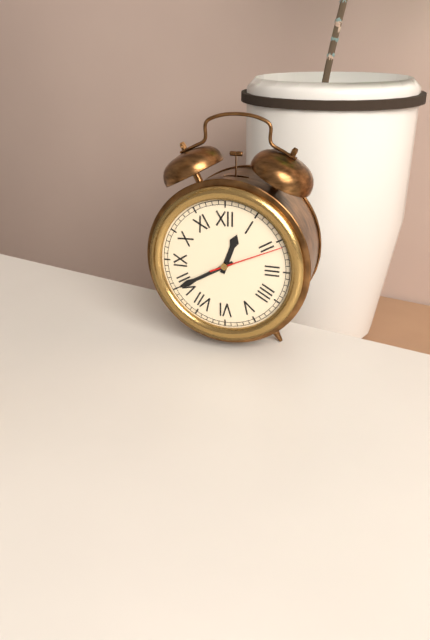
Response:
h=12 m=40 s=11
